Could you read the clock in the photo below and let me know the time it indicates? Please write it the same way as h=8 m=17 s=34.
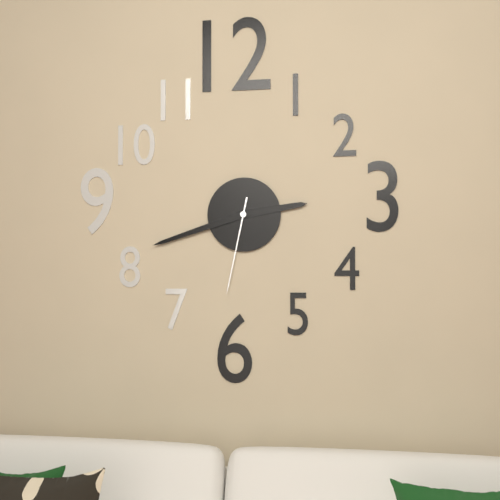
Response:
h=2 m=42 s=32
